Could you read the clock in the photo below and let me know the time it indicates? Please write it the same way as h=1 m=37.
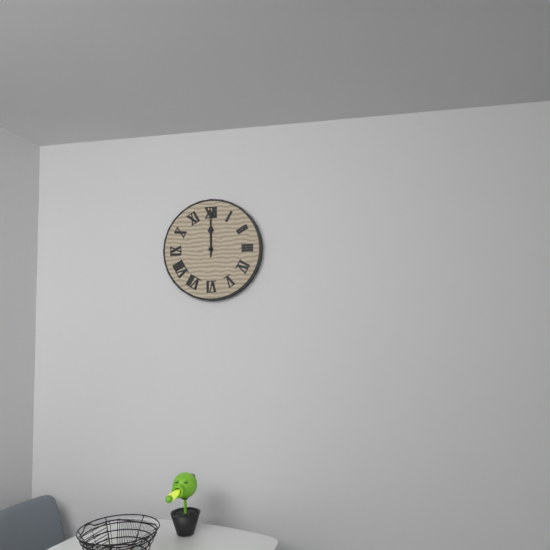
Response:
h=12 m=0
